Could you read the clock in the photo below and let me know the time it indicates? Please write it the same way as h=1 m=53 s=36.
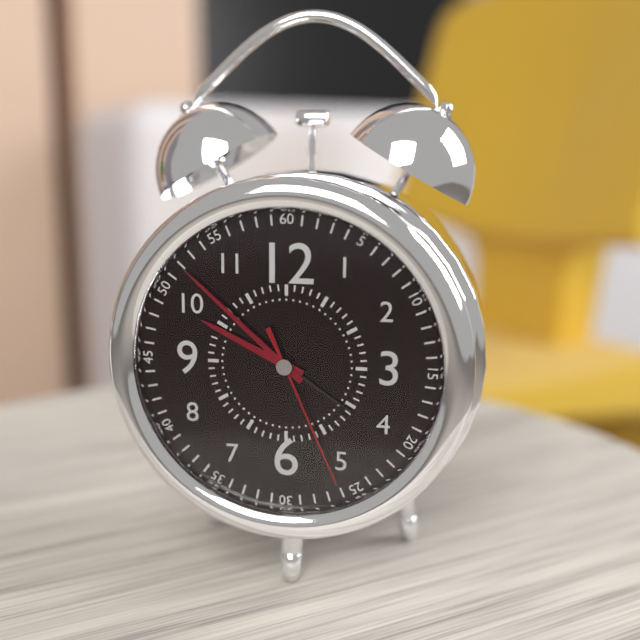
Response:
h=9 m=52 s=26
